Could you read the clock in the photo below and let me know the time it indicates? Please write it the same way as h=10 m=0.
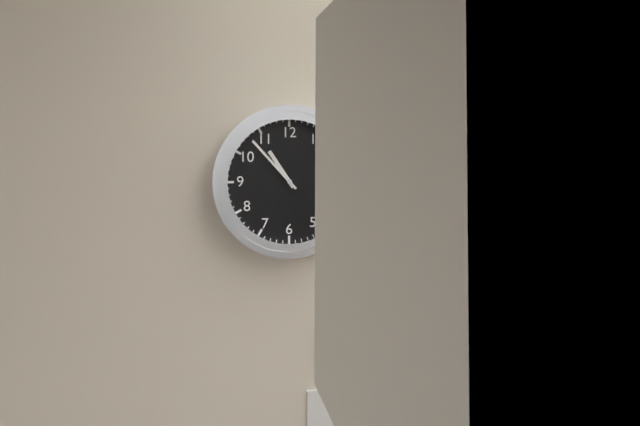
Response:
h=10 m=53
